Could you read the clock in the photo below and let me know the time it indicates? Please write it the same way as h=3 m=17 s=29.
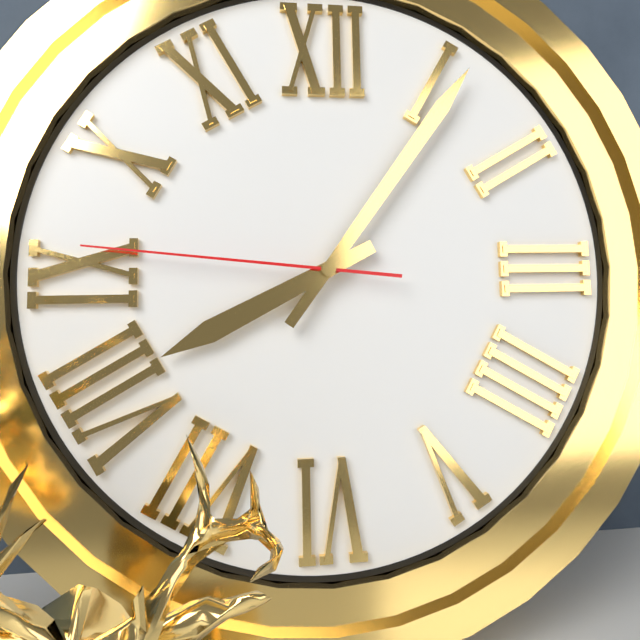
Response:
h=8 m=6 s=46
